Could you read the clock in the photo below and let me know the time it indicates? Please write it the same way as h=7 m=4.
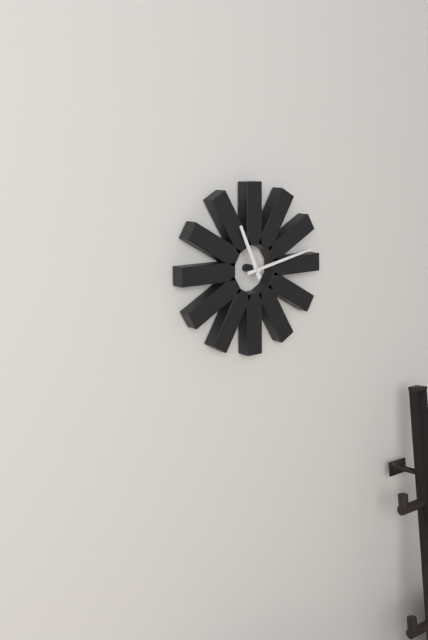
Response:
h=11 m=13
